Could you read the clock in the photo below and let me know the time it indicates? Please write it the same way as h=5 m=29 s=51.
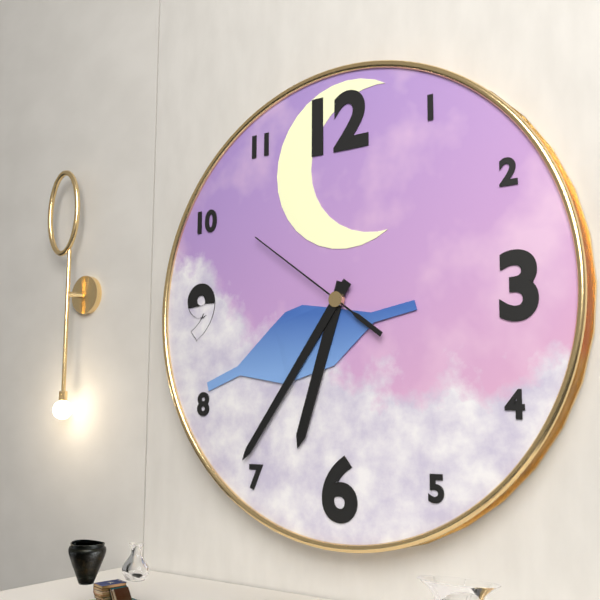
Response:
h=6 m=36 s=51
